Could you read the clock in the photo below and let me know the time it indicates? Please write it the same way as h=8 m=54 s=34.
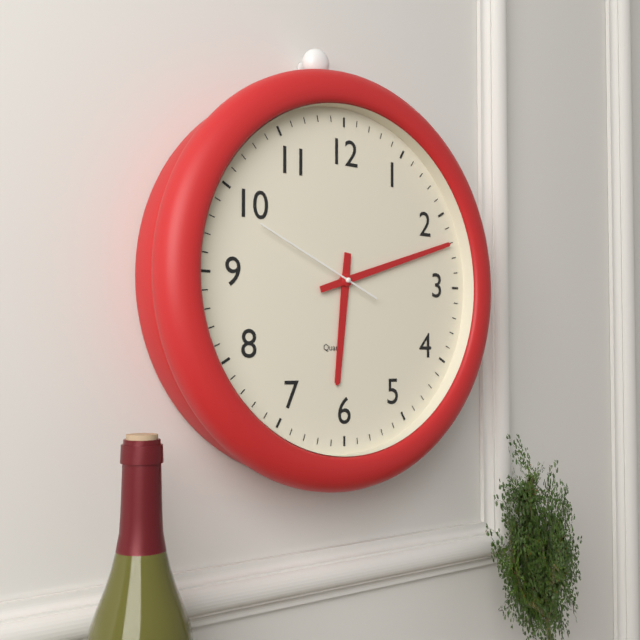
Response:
h=6 m=12 s=49
